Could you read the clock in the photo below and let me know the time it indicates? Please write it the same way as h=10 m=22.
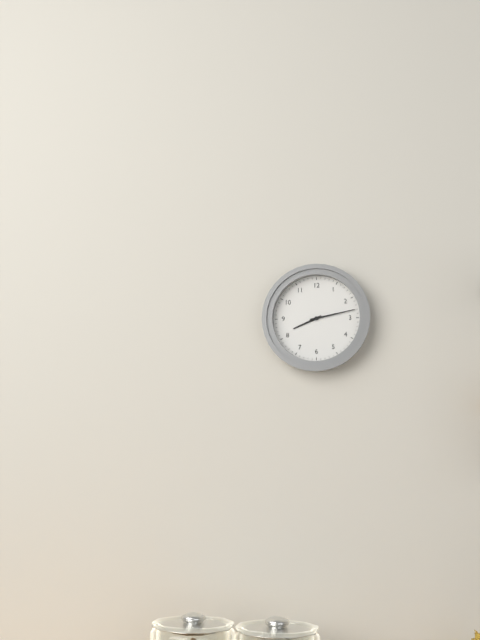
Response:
h=8 m=13
